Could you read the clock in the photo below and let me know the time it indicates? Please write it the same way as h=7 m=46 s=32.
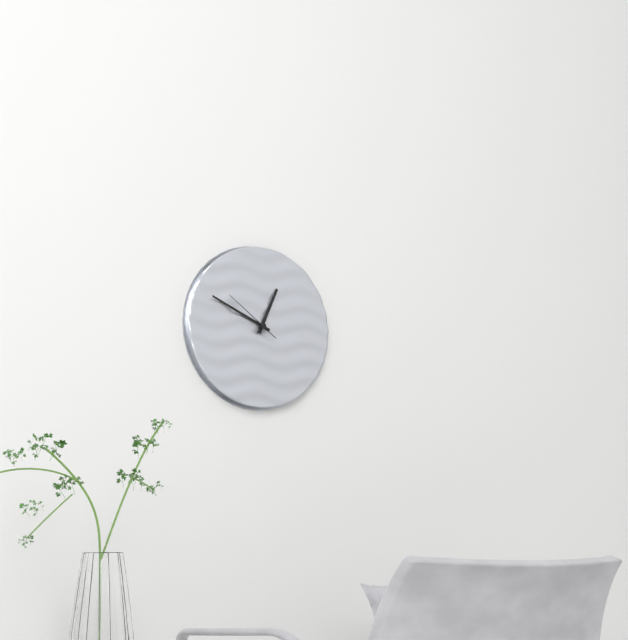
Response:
h=12 m=49 s=51
